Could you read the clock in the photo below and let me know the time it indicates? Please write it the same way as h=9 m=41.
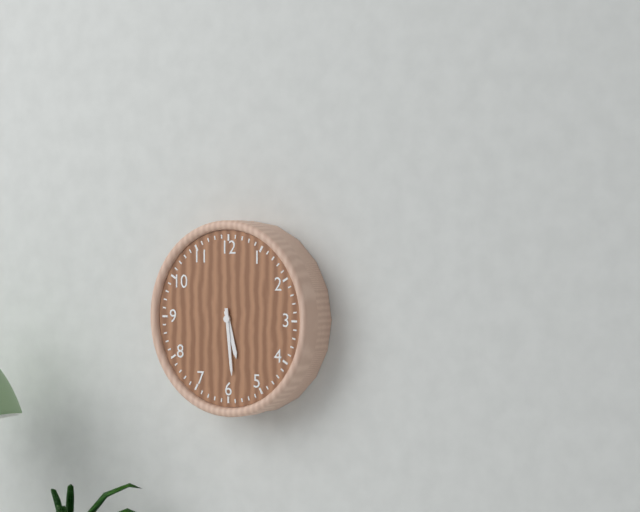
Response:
h=5 m=29
